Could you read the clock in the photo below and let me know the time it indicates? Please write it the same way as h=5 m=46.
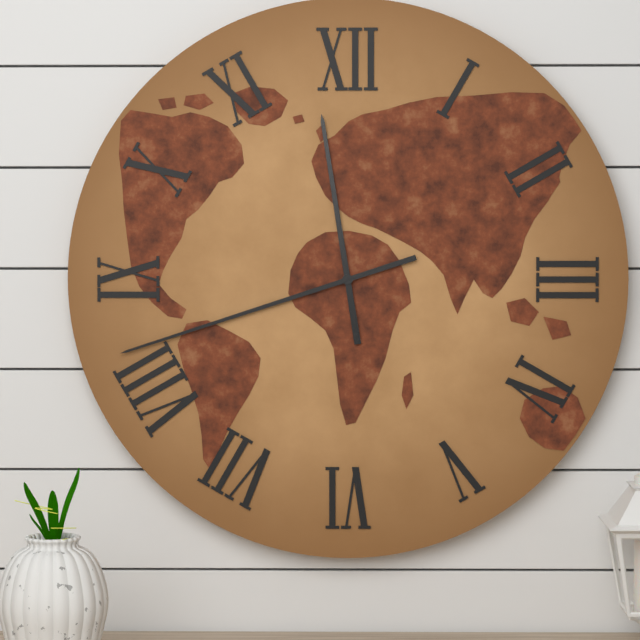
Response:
h=11 m=42
